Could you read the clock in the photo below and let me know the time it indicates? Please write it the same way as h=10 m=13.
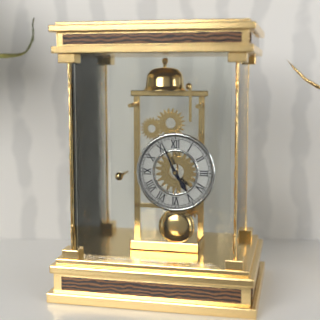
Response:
h=4 m=56
